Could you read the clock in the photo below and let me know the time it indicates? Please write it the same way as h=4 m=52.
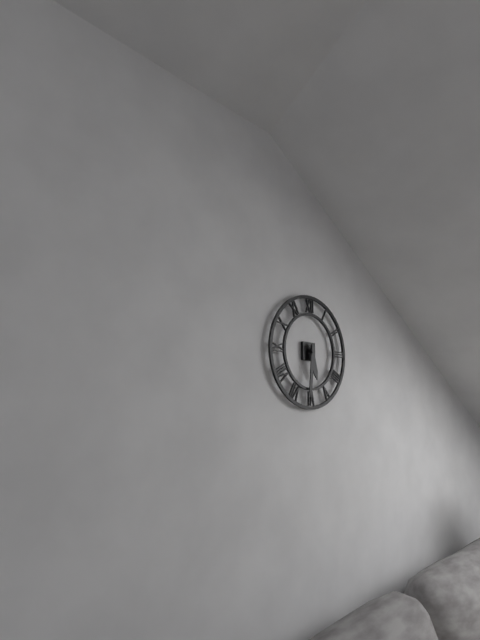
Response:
h=5 m=31
